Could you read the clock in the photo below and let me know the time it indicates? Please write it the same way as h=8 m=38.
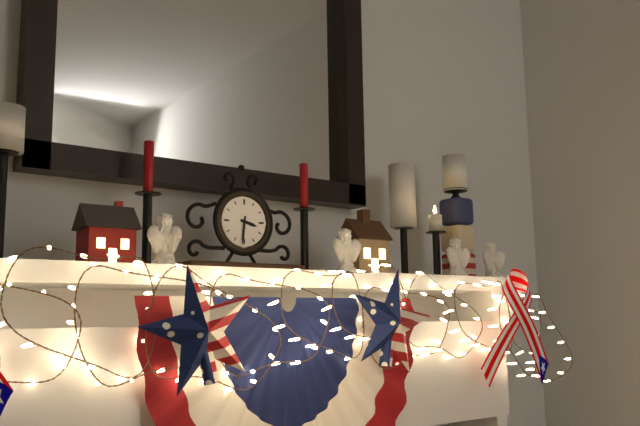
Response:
h=3 m=31
